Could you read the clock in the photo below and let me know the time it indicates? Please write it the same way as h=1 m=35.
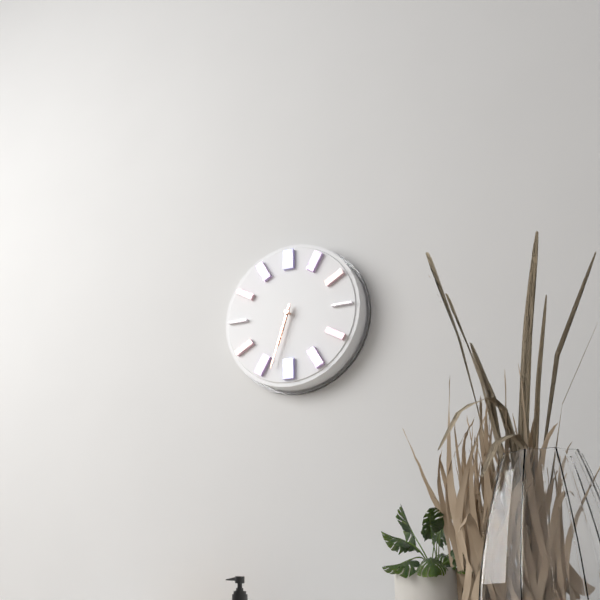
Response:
h=6 m=33
